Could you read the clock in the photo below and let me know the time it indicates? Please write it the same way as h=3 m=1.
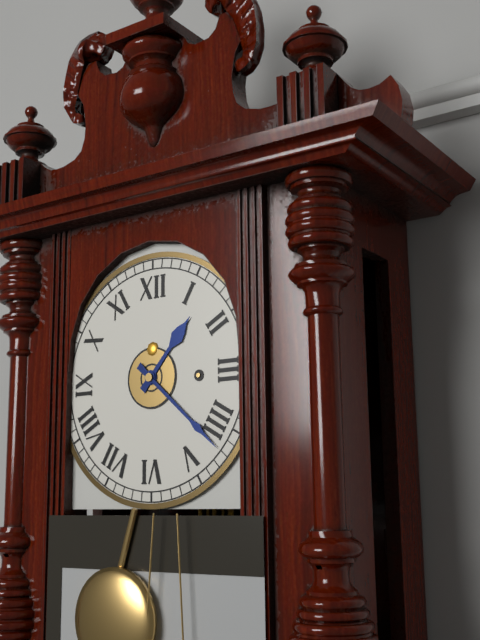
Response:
h=1 m=22
